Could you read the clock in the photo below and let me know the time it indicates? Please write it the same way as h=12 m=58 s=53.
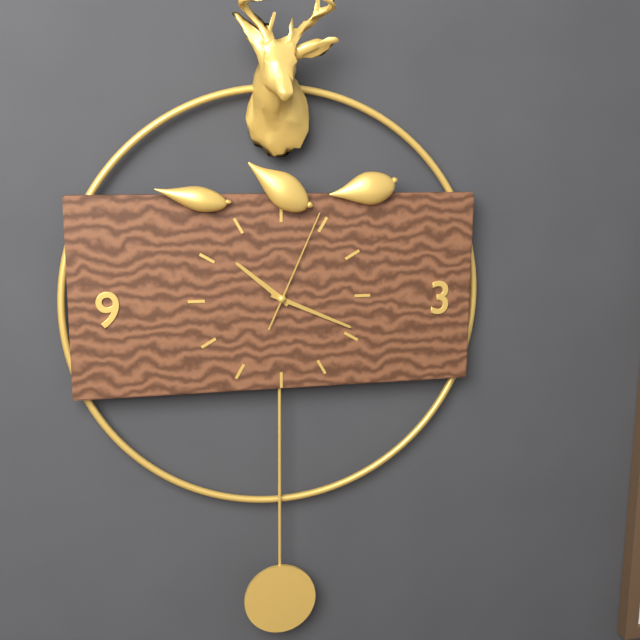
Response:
h=10 m=19 s=4
